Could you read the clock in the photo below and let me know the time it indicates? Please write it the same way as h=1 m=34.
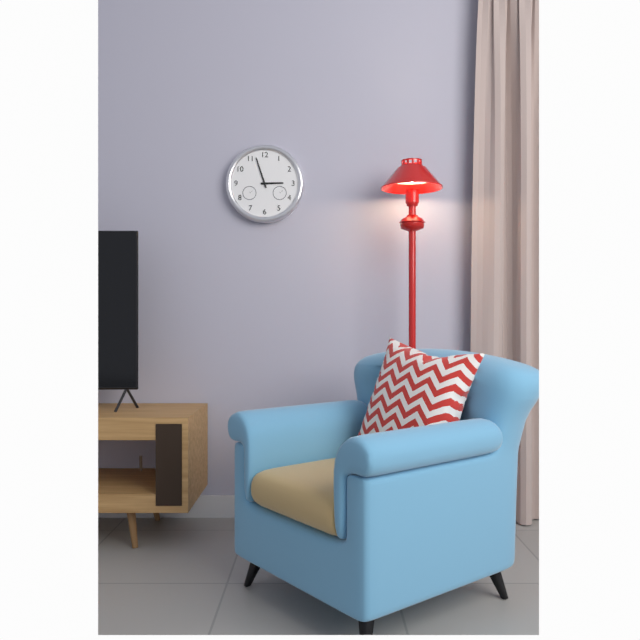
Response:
h=2 m=57
